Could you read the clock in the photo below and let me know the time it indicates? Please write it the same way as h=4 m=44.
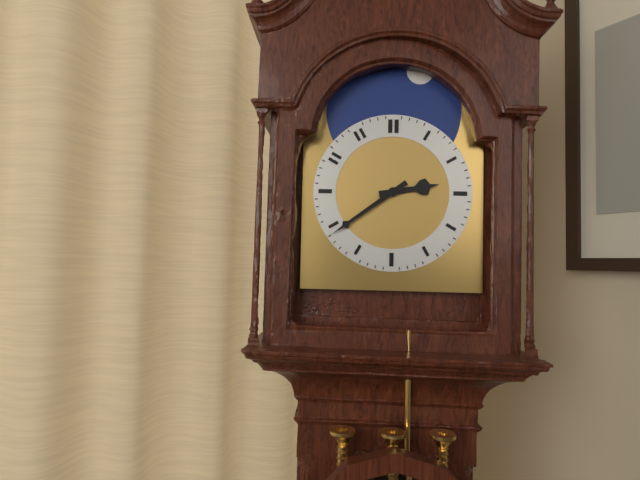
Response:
h=2 m=39
